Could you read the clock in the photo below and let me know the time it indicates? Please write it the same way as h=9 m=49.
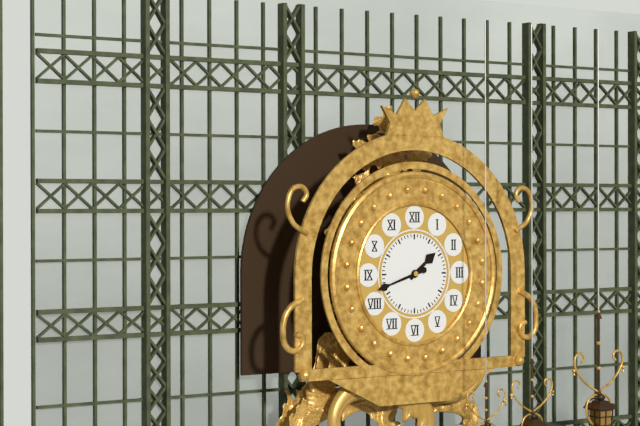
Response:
h=1 m=42
